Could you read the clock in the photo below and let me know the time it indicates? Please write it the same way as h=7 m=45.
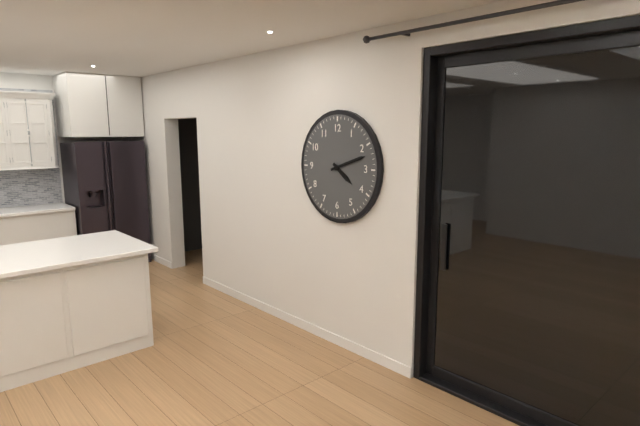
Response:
h=4 m=12
